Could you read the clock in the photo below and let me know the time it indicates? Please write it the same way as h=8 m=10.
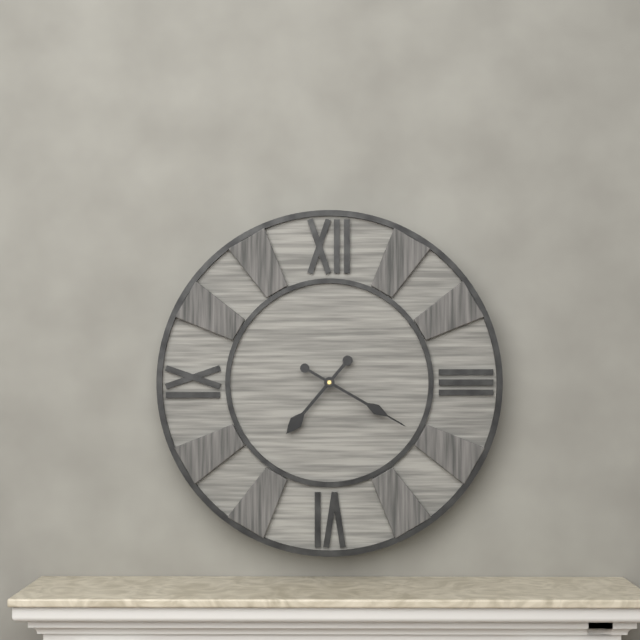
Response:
h=7 m=20
